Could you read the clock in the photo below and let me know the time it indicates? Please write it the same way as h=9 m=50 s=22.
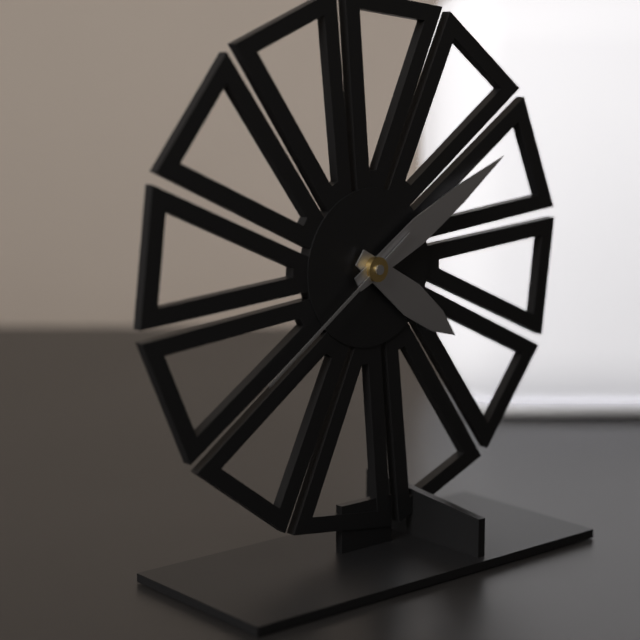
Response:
h=4 m=10 s=39
